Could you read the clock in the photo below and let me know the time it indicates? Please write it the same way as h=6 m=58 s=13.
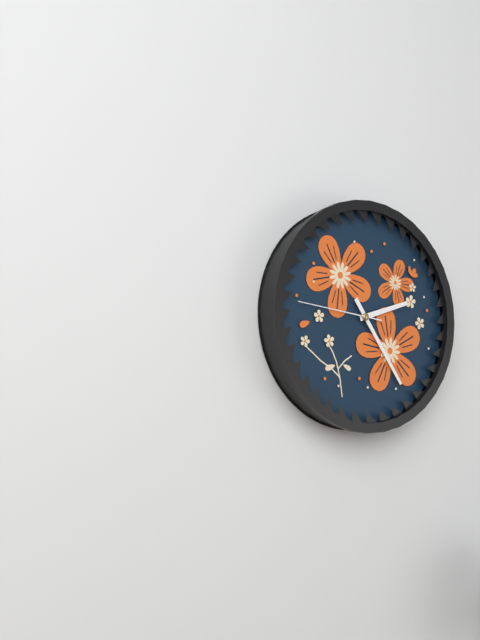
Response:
h=2 m=24 s=46
